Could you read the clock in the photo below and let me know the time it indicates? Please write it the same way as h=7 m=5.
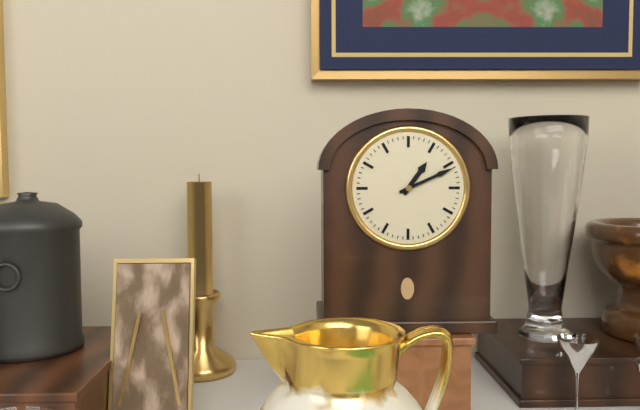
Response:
h=1 m=11
